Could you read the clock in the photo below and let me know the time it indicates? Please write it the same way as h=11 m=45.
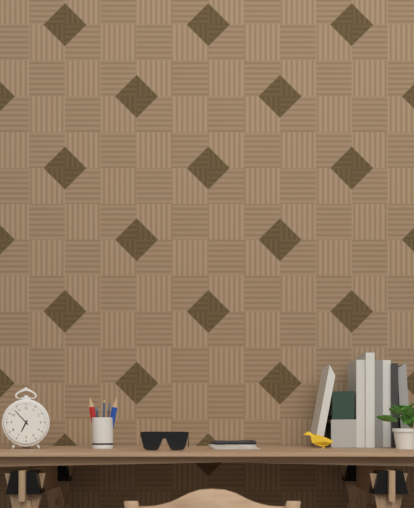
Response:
h=6 m=53
